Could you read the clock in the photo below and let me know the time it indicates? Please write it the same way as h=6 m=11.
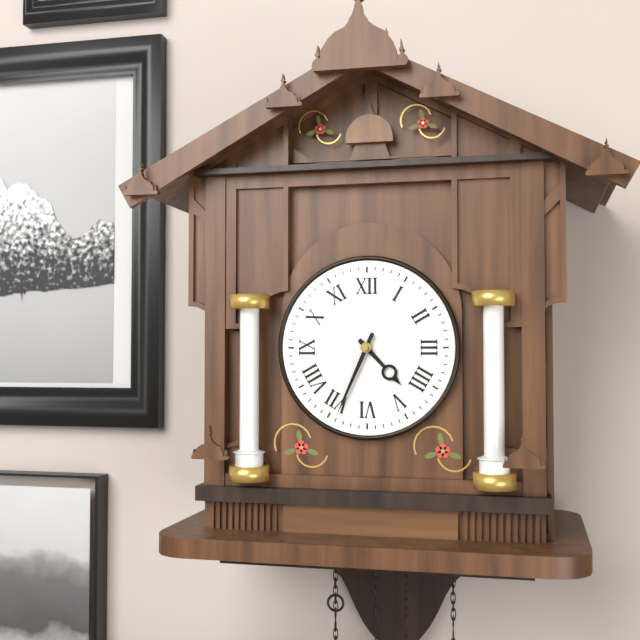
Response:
h=4 m=34
